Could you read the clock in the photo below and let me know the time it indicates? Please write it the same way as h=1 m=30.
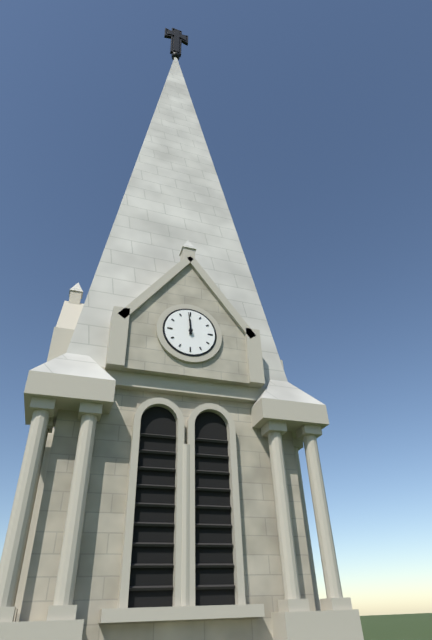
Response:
h=11 m=59
